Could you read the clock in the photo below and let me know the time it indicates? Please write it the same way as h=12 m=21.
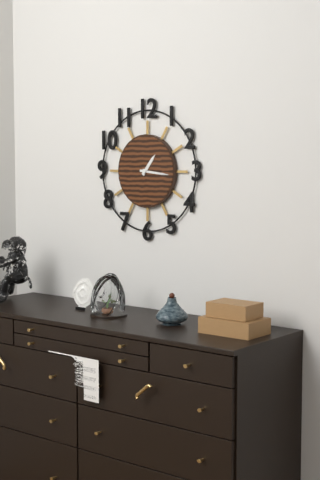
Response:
h=1 m=16
